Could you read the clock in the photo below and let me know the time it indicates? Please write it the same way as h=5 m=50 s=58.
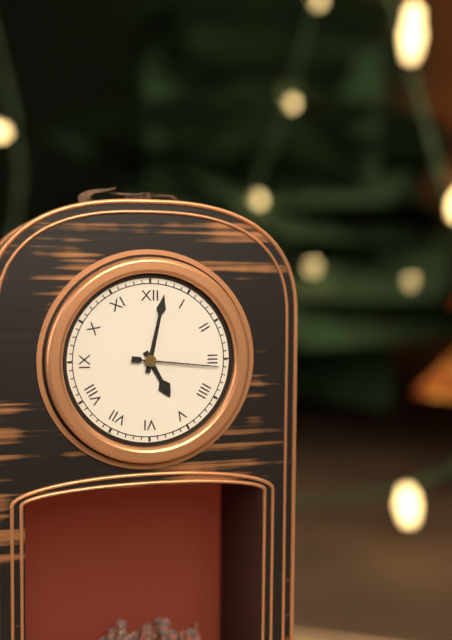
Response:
h=5 m=2 s=16
